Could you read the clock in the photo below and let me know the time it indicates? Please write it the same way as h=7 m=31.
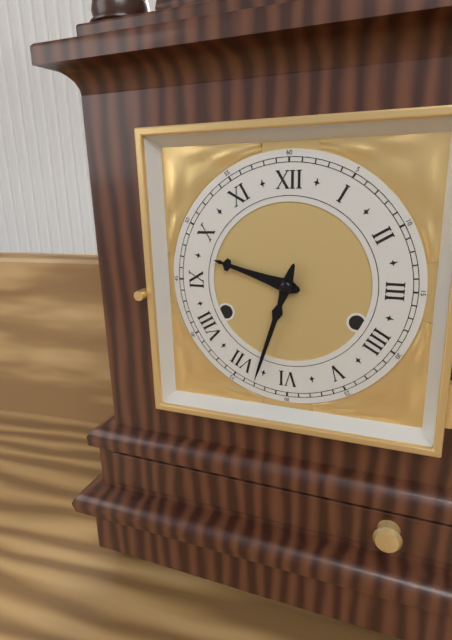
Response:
h=9 m=33
